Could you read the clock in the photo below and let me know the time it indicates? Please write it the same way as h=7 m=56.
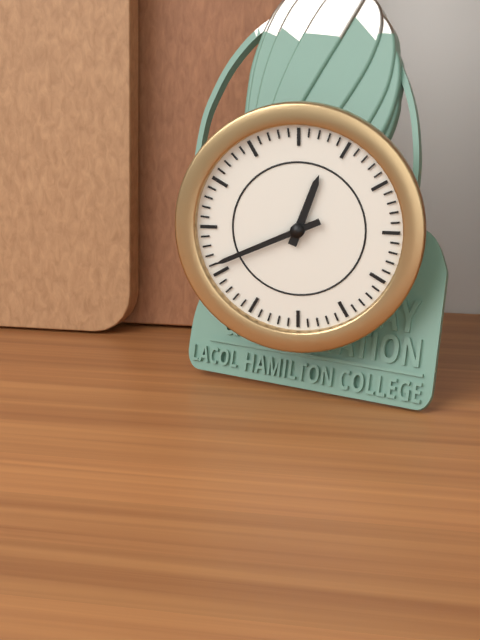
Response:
h=12 m=41
